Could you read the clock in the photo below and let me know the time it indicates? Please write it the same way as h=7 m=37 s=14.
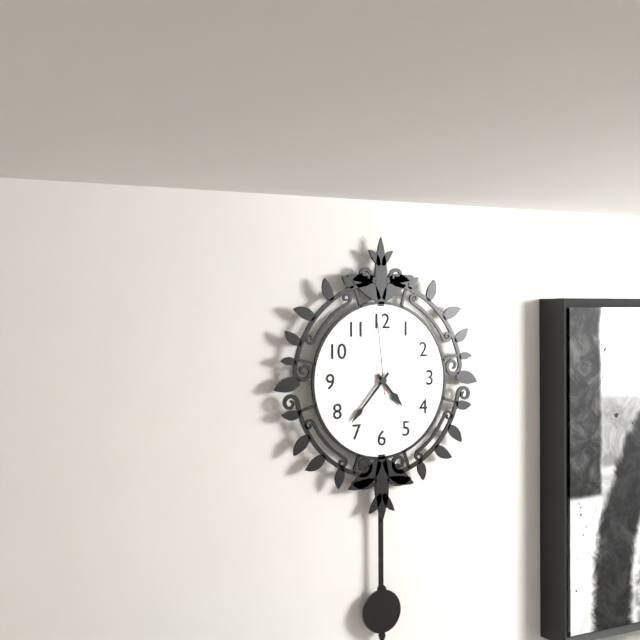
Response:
h=4 m=37 s=59
